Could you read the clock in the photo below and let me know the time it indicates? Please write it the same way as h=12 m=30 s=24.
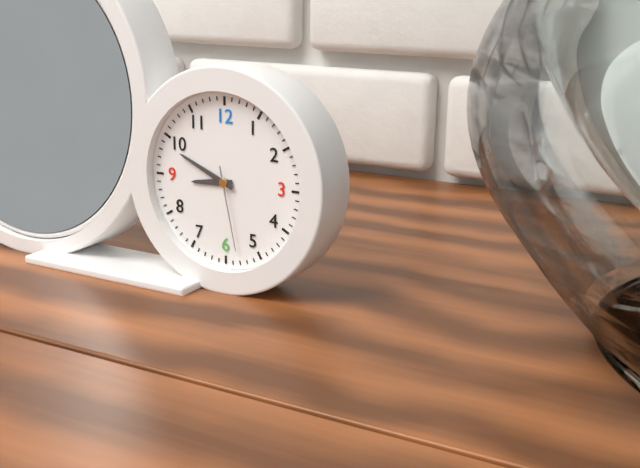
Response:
h=8 m=49 s=28
